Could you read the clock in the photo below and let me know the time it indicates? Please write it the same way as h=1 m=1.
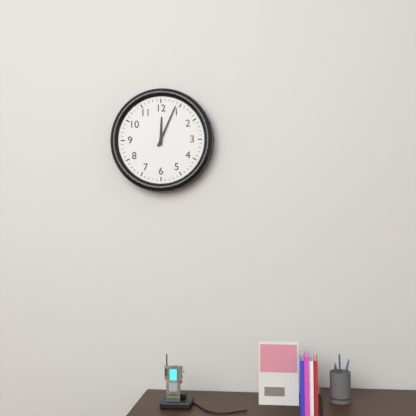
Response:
h=12 m=4
